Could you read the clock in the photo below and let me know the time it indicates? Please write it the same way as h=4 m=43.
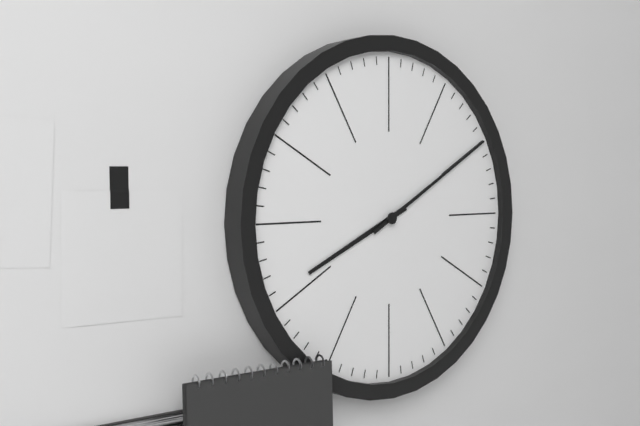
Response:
h=8 m=10
